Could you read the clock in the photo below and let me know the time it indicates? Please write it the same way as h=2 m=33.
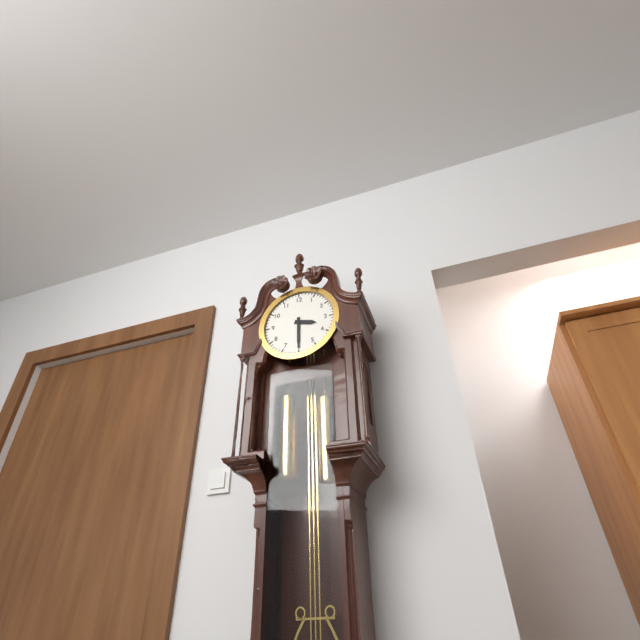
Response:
h=3 m=30
